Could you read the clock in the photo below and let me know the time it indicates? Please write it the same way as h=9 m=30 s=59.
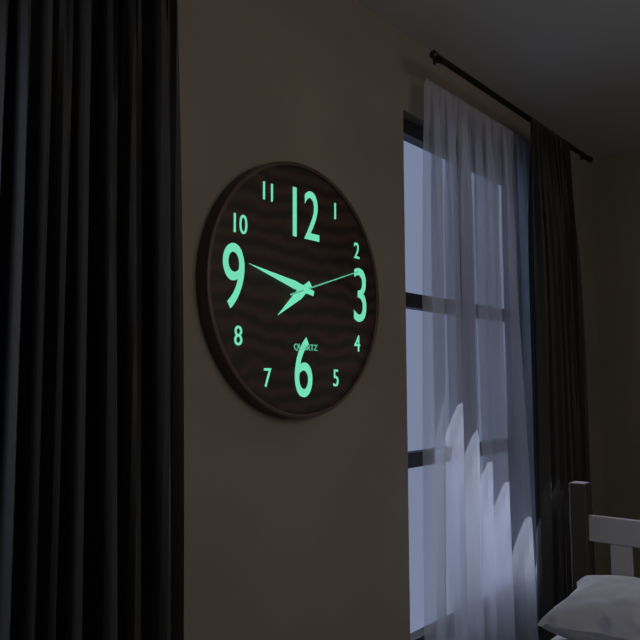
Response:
h=7 m=47 s=12
